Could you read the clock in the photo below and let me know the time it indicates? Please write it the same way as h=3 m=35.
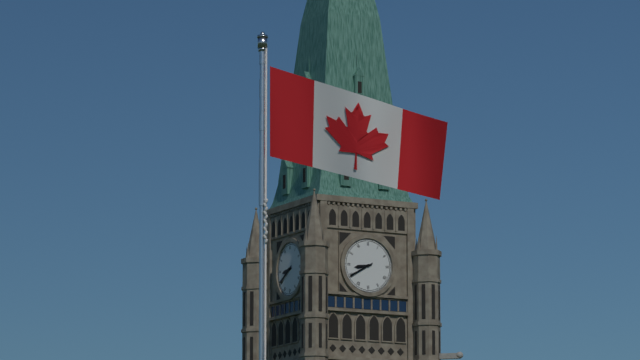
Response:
h=8 m=40
